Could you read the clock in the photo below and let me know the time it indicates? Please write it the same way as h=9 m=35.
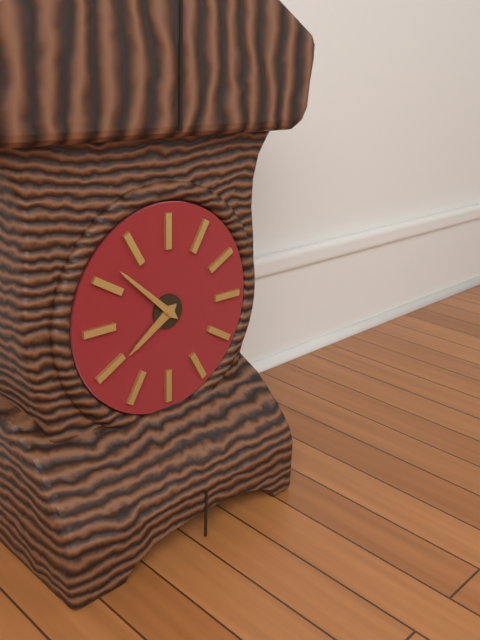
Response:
h=7 m=52
